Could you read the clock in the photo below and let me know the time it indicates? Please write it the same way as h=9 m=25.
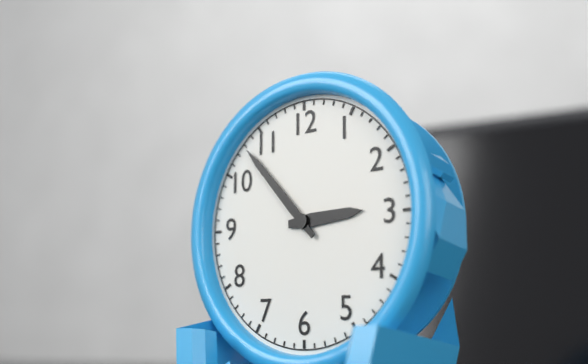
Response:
h=2 m=53
